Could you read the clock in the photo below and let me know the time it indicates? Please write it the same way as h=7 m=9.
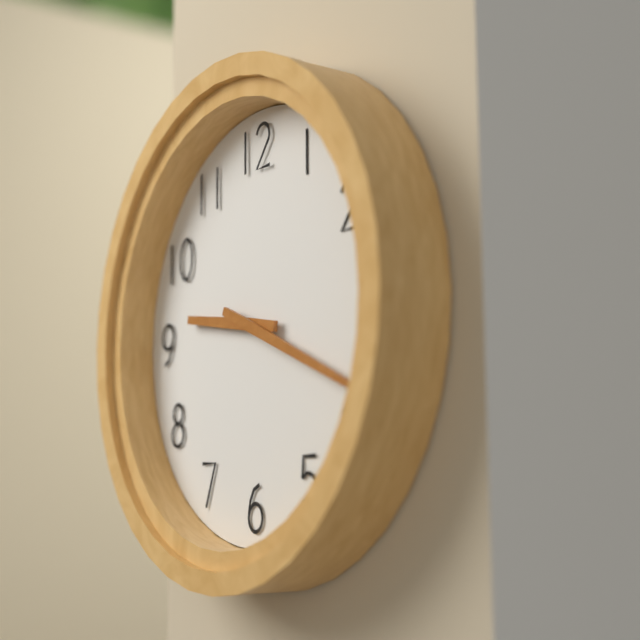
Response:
h=9 m=19
